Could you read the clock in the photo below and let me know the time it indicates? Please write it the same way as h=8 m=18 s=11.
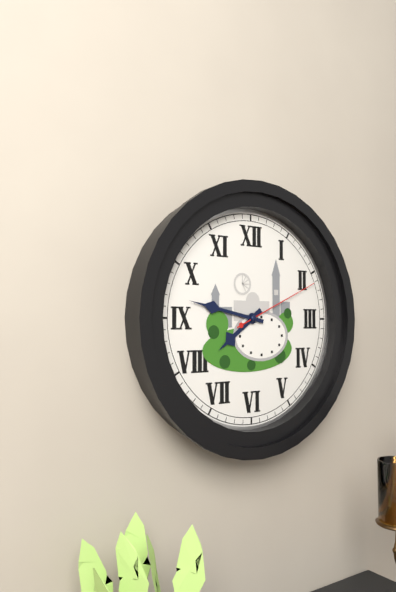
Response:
h=7 m=47 s=11
